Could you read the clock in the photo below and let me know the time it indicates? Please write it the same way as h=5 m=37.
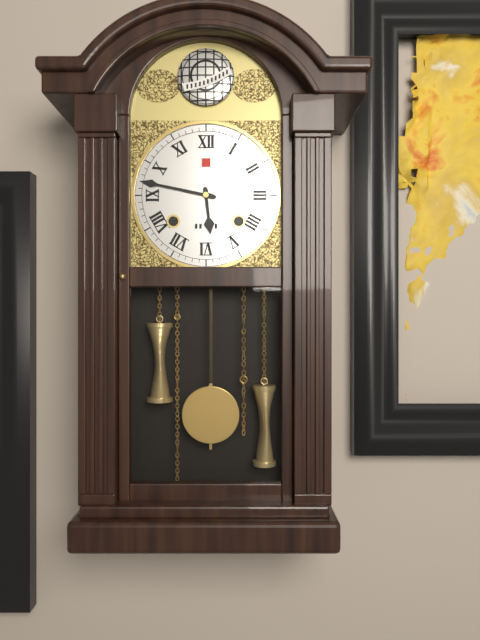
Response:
h=5 m=47
